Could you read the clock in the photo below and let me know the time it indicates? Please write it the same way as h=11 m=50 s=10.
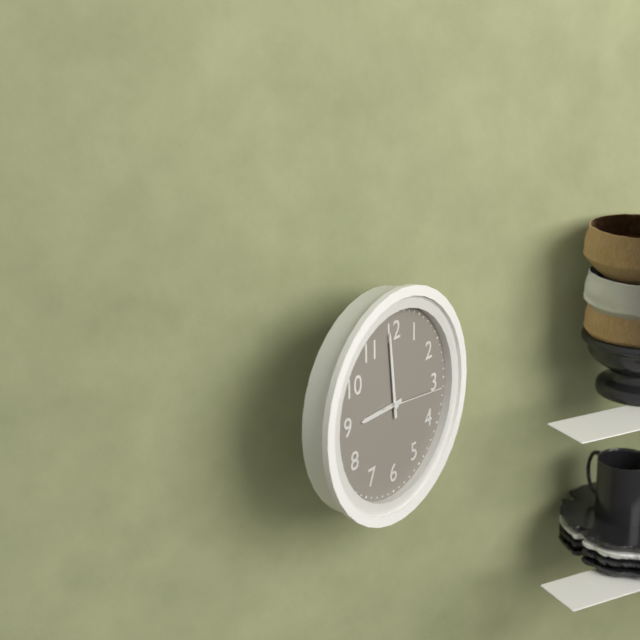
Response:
h=8 m=59 s=16
